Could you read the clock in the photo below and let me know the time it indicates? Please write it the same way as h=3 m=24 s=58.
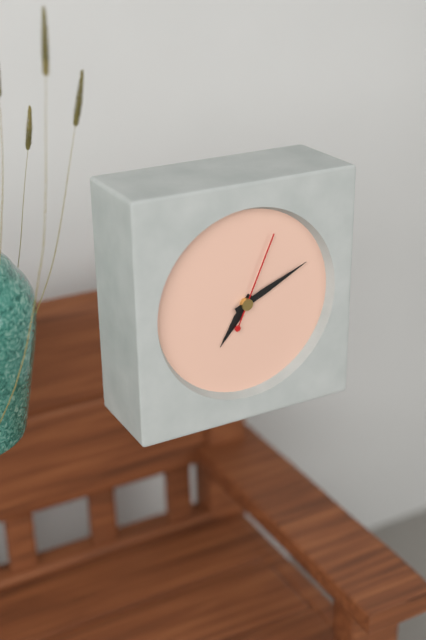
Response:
h=7 m=11 s=4
